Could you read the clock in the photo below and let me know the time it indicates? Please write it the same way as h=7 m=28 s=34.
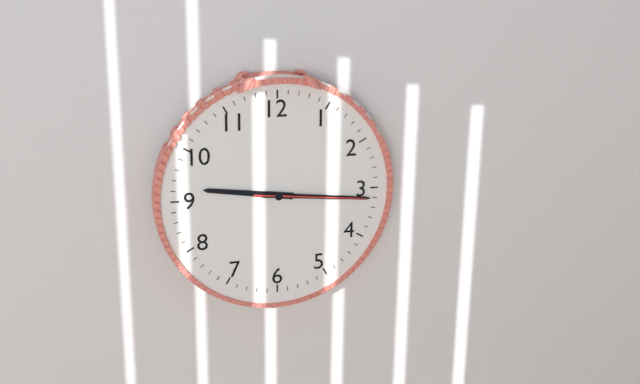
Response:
h=9 m=16 s=16
